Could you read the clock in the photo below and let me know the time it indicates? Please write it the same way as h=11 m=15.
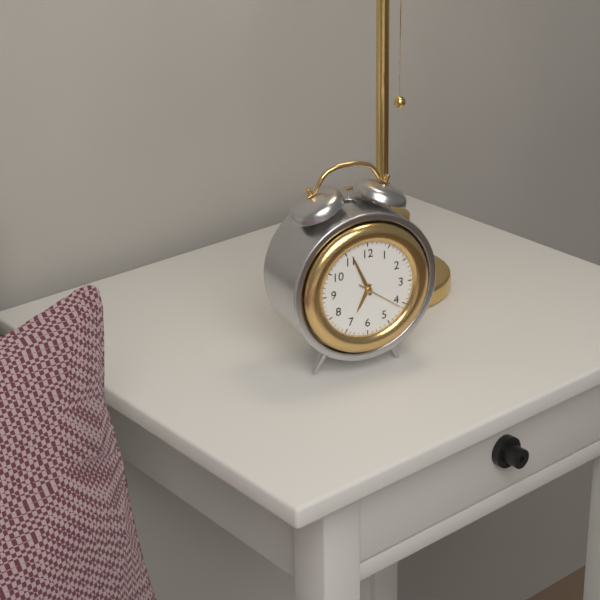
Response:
h=6 m=56
